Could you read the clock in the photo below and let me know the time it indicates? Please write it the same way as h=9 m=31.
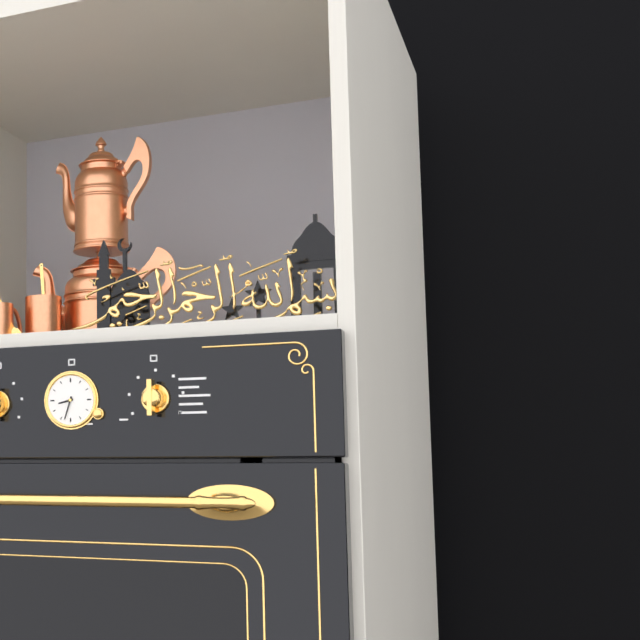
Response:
h=8 m=33
